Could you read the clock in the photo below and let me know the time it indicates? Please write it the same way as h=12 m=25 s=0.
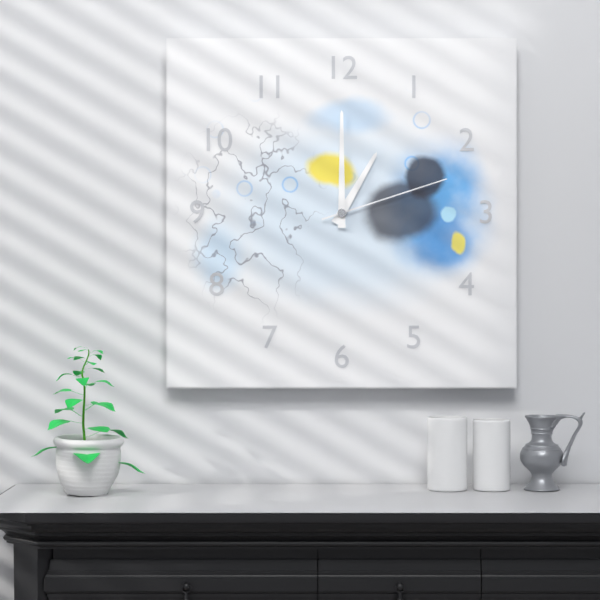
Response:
h=1 m=0 s=12
